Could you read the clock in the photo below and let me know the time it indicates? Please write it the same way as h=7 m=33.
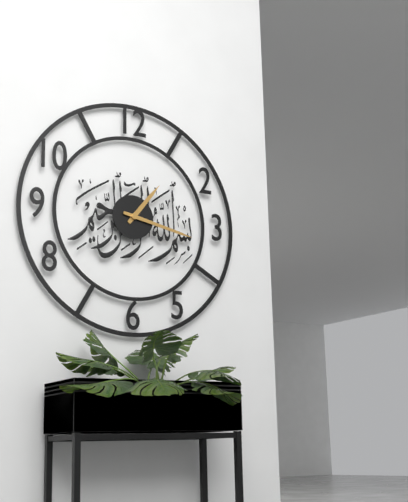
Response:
h=1 m=17
